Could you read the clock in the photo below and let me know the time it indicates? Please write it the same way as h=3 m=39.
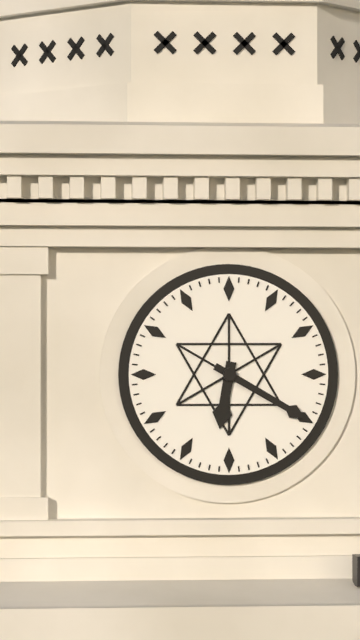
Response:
h=6 m=20
